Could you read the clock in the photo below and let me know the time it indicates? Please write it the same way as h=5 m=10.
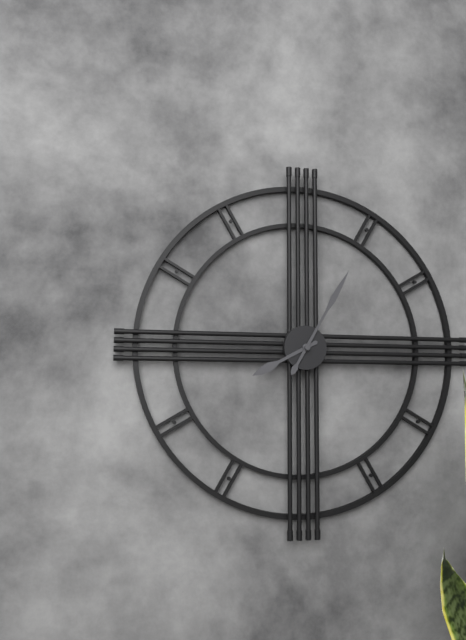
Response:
h=8 m=5
